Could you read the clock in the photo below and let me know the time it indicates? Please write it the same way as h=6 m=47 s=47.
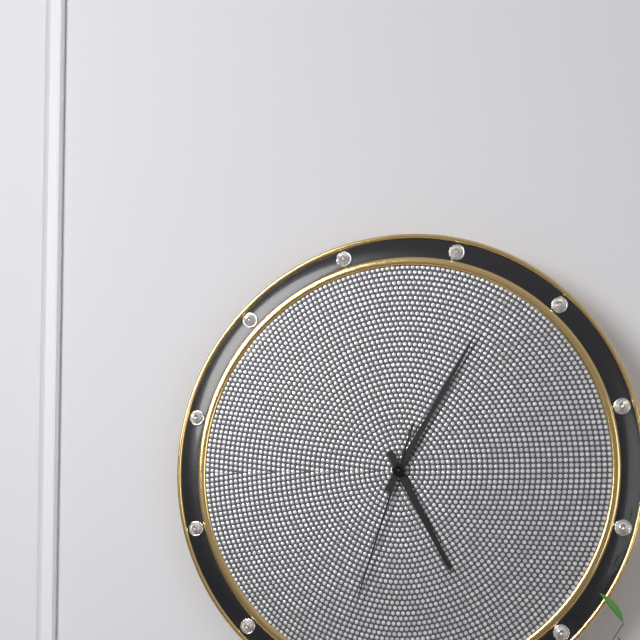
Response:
h=5 m=5 s=33
